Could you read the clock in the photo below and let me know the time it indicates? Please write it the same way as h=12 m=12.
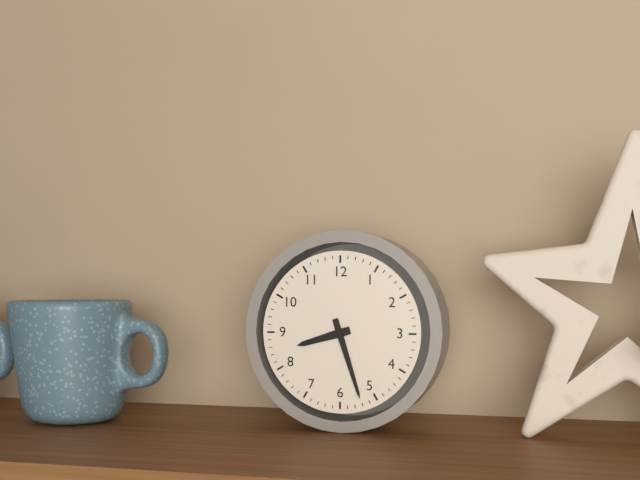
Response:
h=8 m=27
